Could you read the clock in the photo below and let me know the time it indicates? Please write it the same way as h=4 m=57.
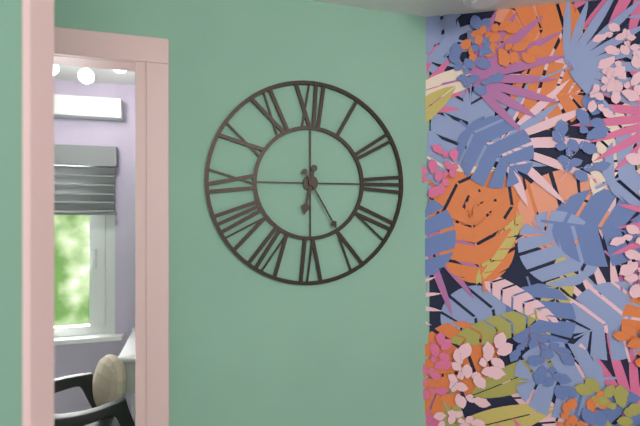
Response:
h=6 m=25
